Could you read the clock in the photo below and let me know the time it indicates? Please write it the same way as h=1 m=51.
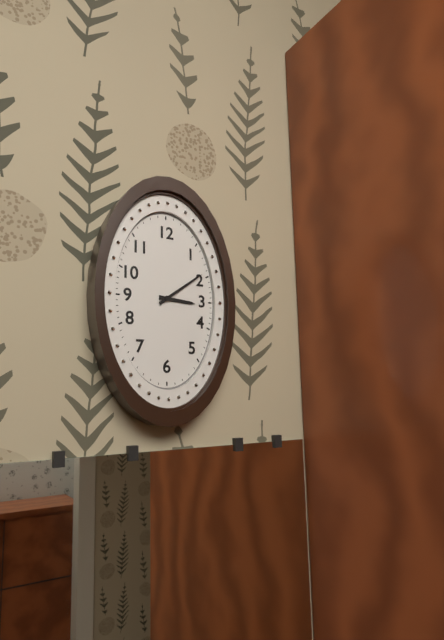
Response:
h=3 m=9
